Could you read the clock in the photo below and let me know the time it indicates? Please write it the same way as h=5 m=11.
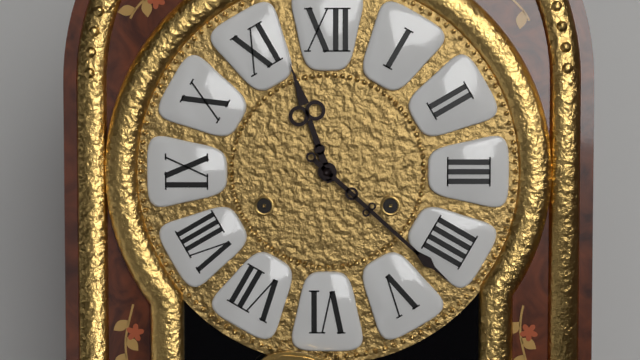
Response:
h=11 m=22
